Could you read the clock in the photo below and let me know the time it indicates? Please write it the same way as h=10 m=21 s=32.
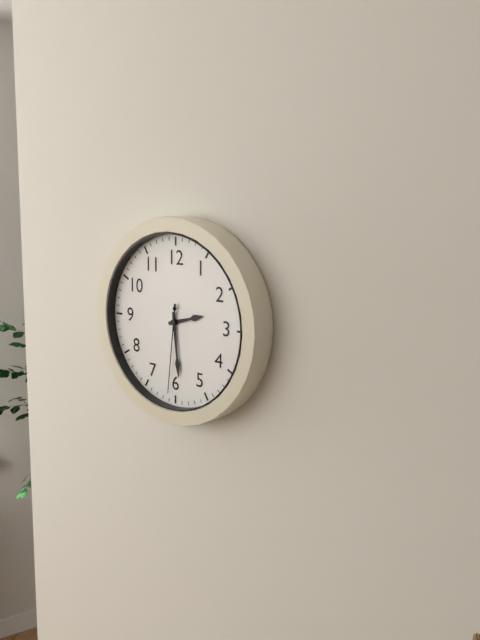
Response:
h=2 m=29 s=31
